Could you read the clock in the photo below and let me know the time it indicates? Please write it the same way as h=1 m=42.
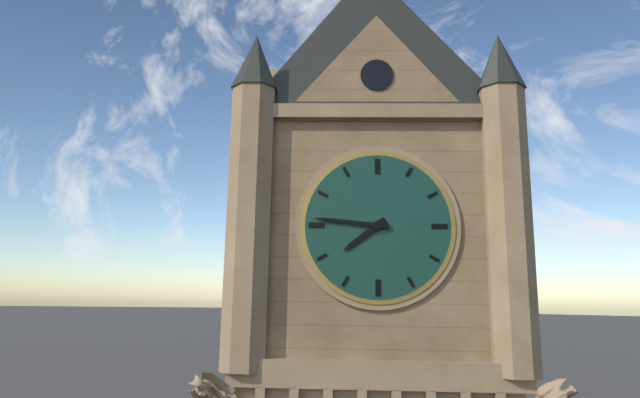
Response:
h=7 m=46
